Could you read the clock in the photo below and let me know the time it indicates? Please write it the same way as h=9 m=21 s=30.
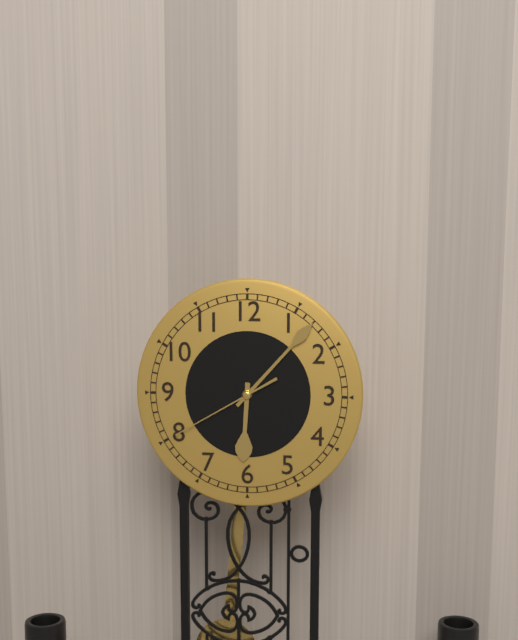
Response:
h=6 m=7 s=40
